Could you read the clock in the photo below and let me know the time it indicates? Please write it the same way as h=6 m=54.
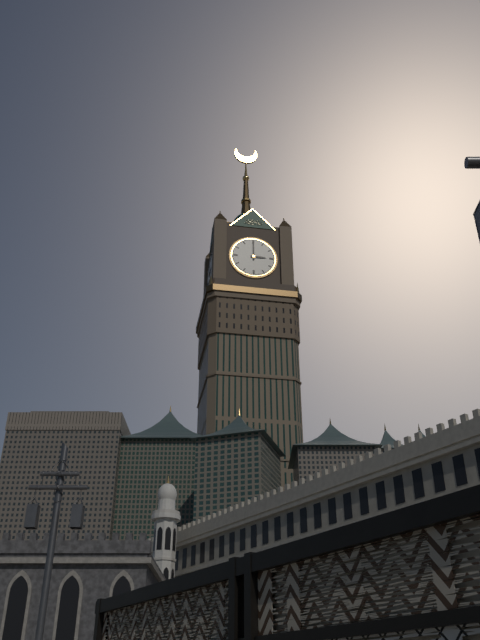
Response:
h=3 m=0
